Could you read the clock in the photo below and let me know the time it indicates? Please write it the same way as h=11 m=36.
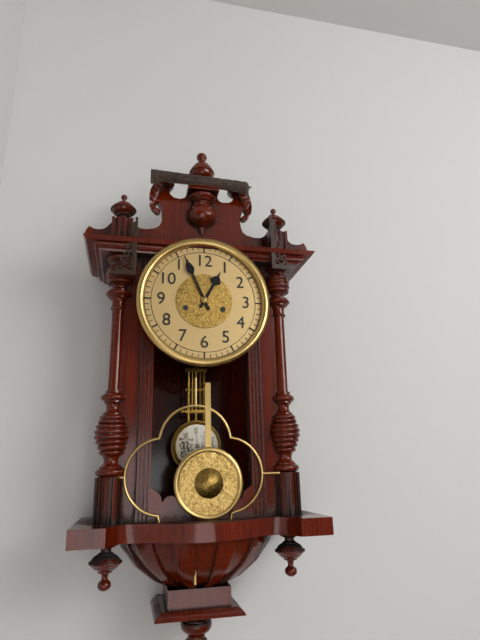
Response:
h=12 m=56
